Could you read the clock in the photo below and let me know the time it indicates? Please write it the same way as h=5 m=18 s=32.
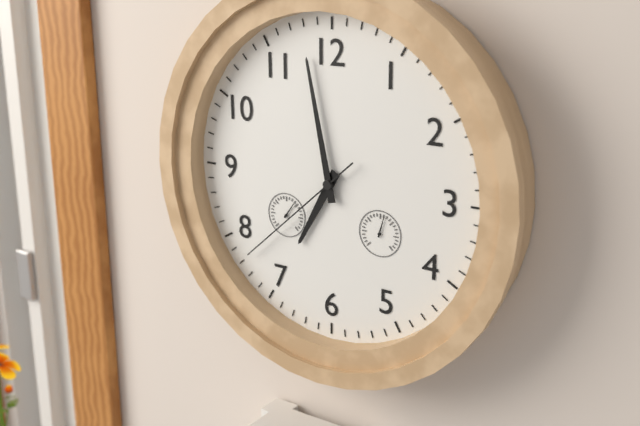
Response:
h=6 m=58 s=38
